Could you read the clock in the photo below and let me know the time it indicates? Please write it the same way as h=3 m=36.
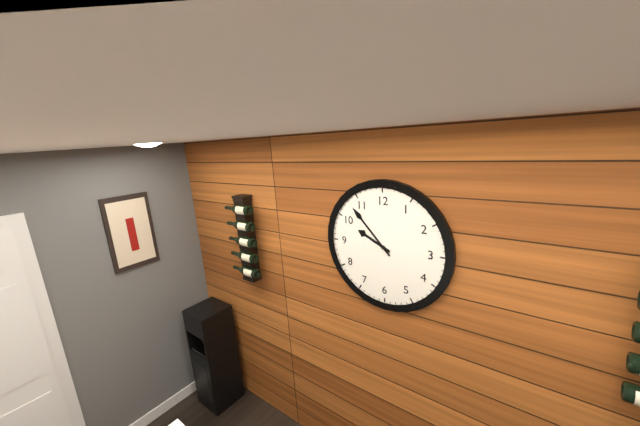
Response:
h=9 m=53
